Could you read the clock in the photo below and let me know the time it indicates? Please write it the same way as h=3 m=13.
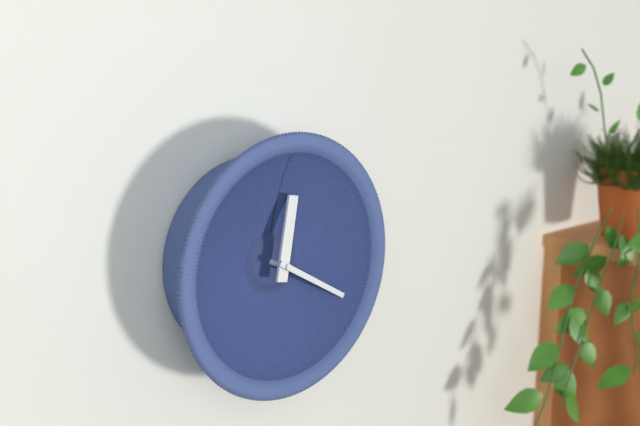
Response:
h=12 m=20
